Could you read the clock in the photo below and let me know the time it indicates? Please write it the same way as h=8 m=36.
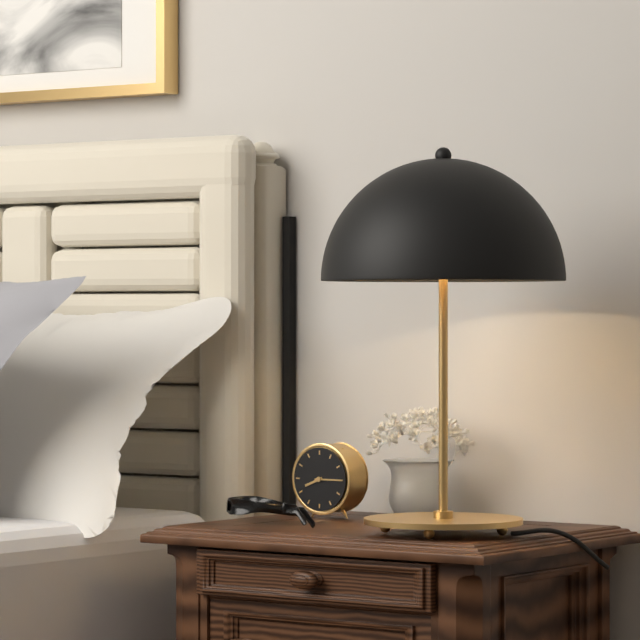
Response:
h=8 m=15
